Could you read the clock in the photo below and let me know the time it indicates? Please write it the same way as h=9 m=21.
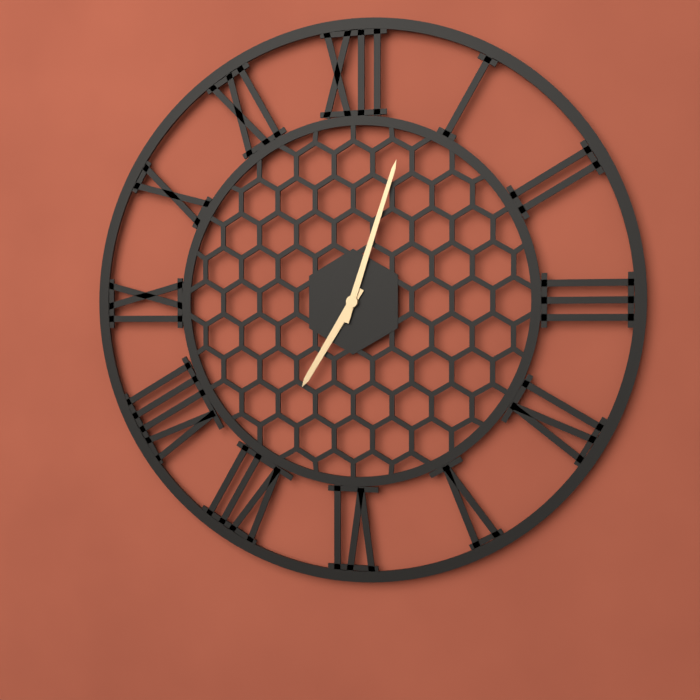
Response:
h=7 m=3
